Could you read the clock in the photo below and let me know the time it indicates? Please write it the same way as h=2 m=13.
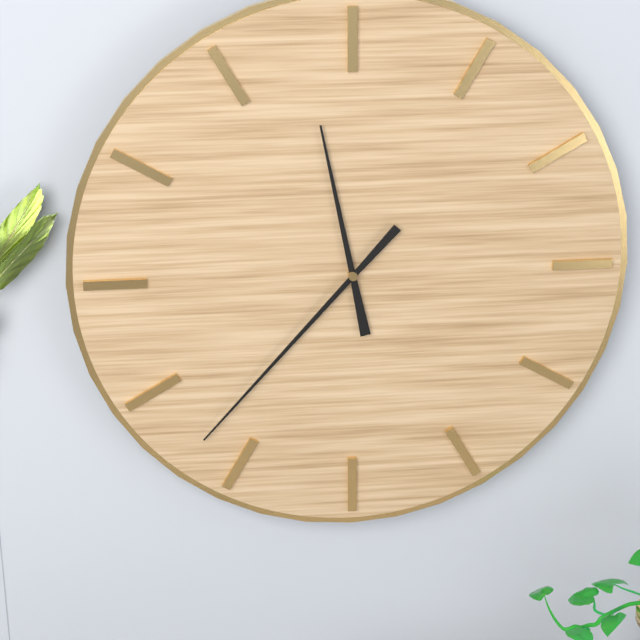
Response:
h=11 m=37
